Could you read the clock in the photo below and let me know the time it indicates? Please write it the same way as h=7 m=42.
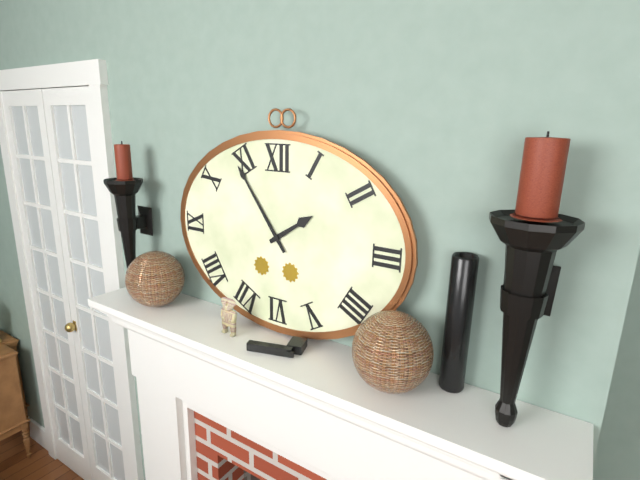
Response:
h=1 m=54
